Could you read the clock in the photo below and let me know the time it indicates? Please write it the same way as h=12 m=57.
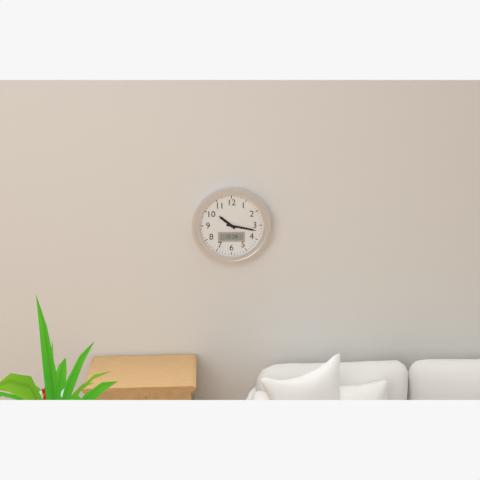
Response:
h=10 m=17
